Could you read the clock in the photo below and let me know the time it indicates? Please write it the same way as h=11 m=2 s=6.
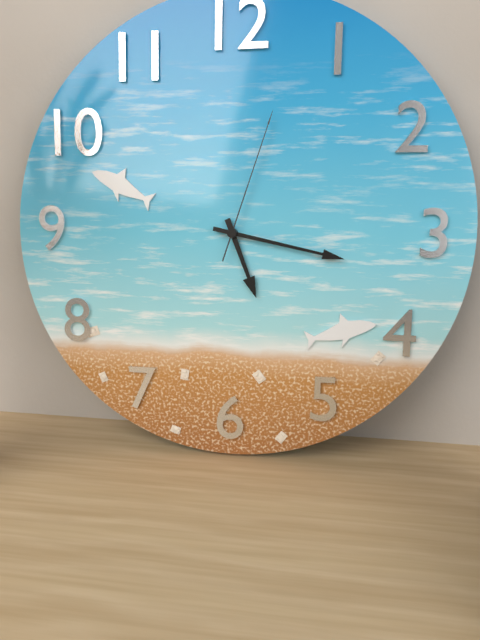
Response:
h=5 m=17 s=3
